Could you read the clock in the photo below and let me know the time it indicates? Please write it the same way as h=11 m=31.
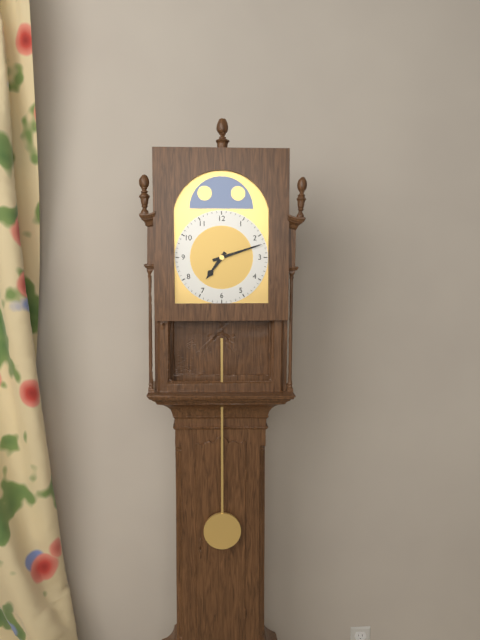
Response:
h=7 m=12
